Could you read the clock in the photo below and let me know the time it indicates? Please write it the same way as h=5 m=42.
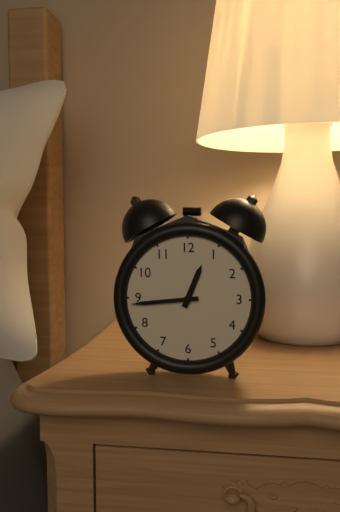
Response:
h=12 m=44
